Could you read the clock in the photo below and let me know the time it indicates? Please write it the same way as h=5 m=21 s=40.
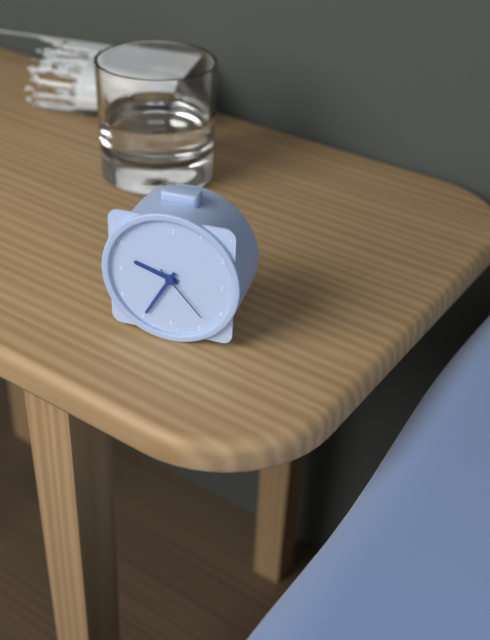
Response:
h=9 m=35 s=23
